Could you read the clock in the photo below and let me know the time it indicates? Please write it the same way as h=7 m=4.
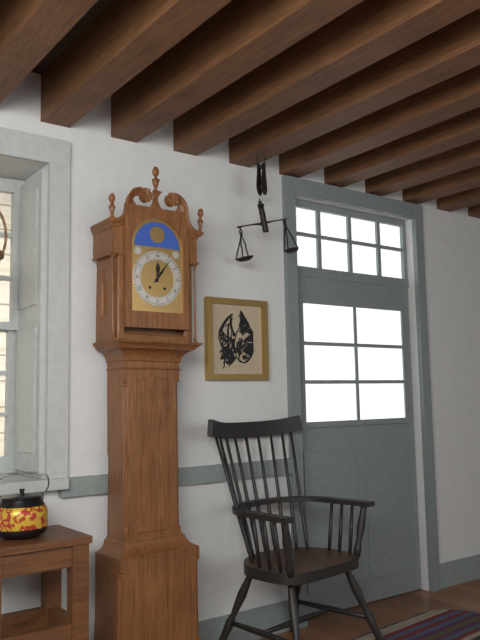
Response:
h=12 m=6
